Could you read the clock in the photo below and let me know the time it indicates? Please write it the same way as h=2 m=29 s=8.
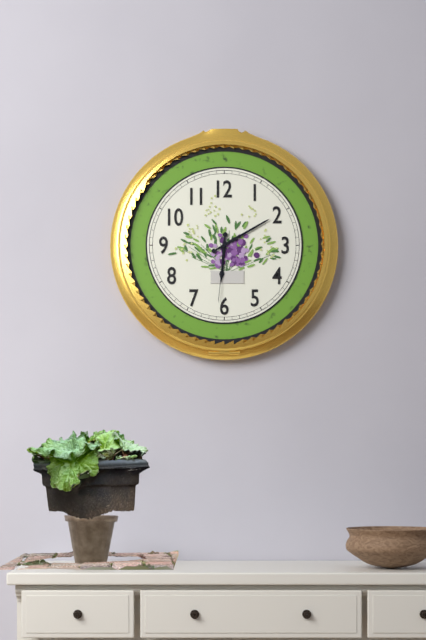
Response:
h=6 m=10 s=31
